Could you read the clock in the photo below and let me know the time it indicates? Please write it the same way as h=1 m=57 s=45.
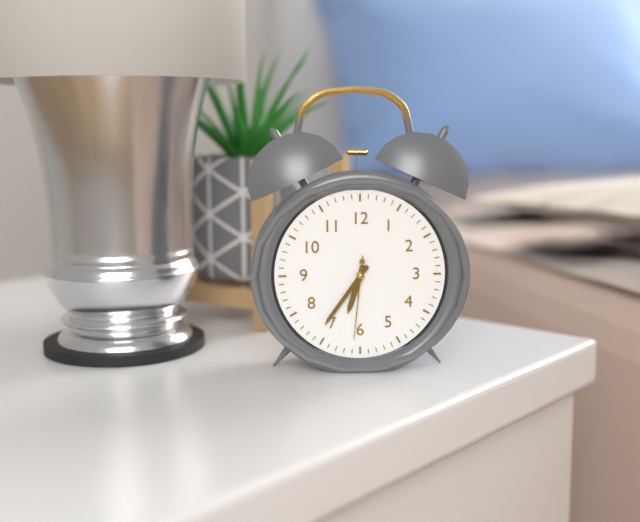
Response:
h=6 m=36 s=31
